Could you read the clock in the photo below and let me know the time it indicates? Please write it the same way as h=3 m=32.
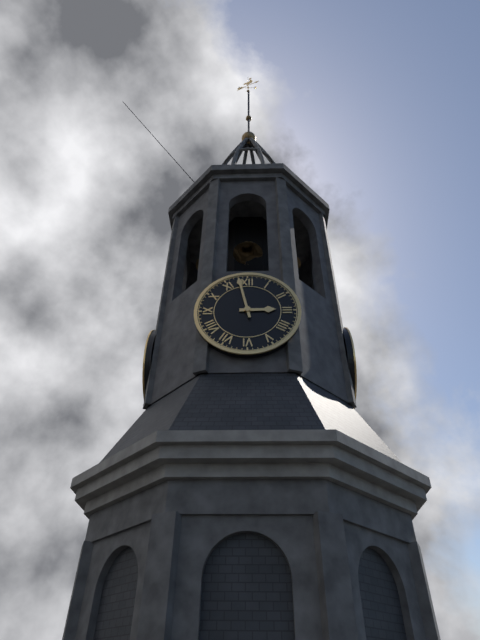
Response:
h=2 m=58
